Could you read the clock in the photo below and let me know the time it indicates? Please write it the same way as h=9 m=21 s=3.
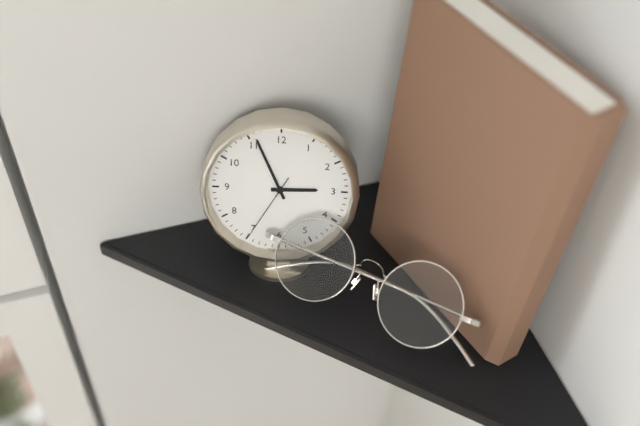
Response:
h=2 m=56 s=35
